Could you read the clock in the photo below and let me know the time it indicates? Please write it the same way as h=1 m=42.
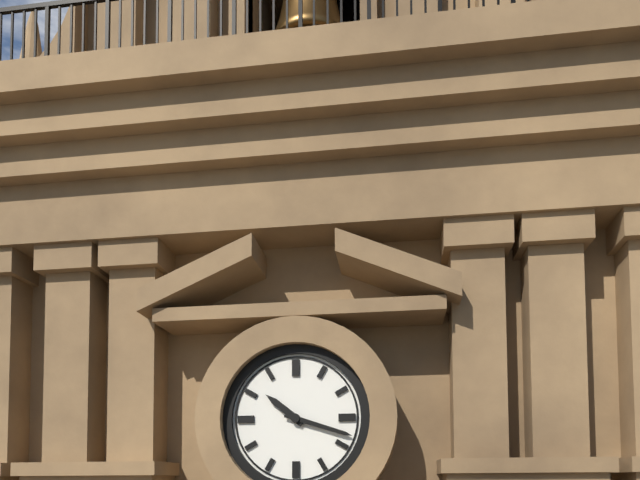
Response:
h=10 m=18
